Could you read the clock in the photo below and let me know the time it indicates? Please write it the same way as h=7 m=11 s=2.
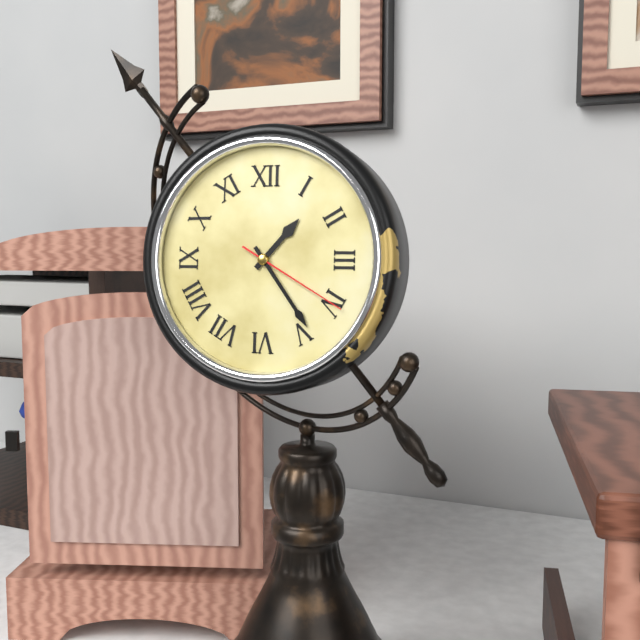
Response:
h=1 m=24 s=20
